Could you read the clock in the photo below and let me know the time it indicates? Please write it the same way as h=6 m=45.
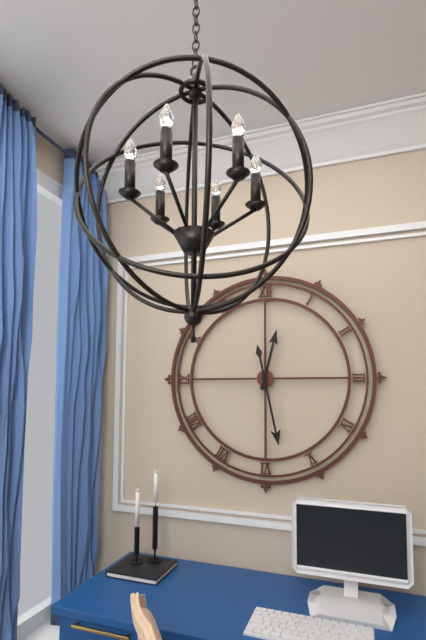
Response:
h=12 m=28
